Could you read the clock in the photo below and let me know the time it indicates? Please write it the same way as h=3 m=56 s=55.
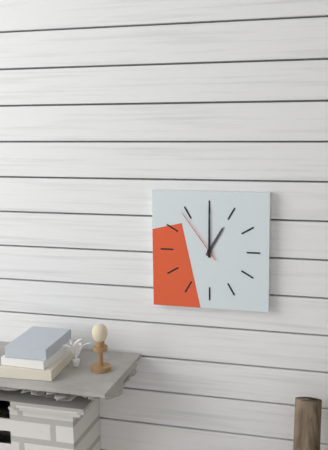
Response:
h=1 m=0 s=54
